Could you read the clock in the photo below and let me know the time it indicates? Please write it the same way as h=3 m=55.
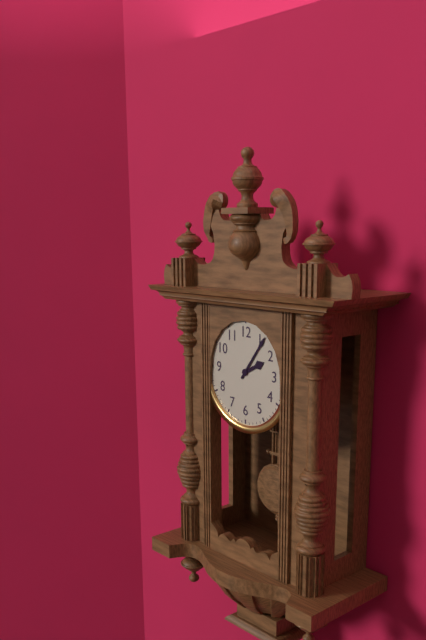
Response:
h=2 m=6
